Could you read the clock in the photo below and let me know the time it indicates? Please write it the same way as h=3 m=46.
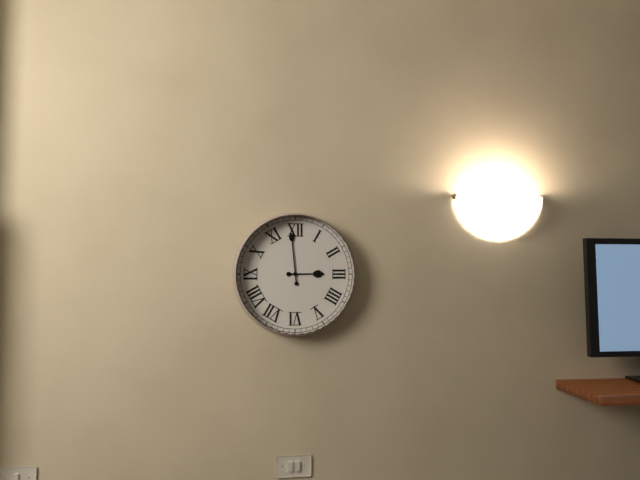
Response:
h=2 m=59
